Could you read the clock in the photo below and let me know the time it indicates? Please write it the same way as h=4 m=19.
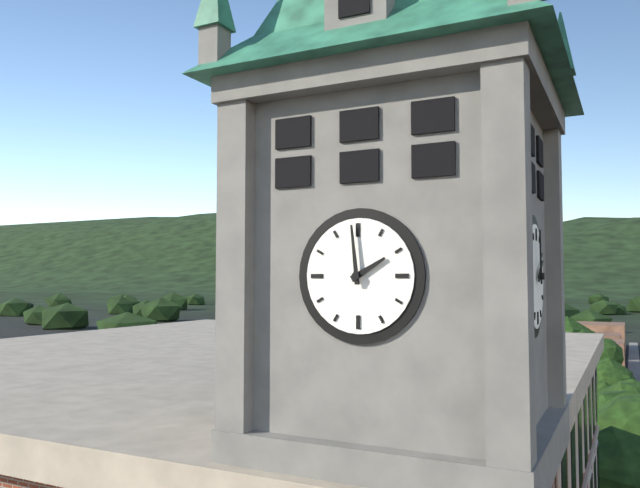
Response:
h=1 m=59
